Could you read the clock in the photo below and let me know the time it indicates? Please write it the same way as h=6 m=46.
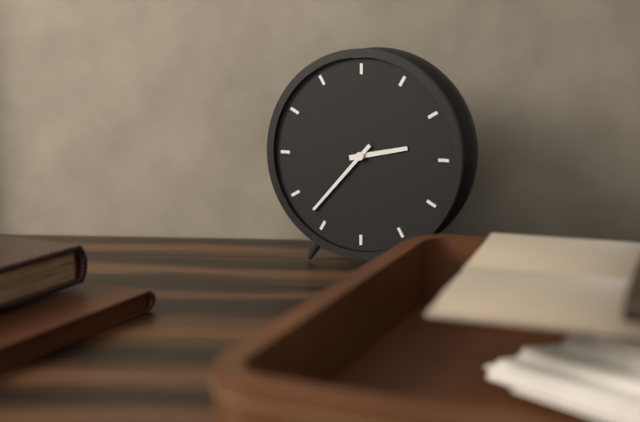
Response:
h=2 m=37
